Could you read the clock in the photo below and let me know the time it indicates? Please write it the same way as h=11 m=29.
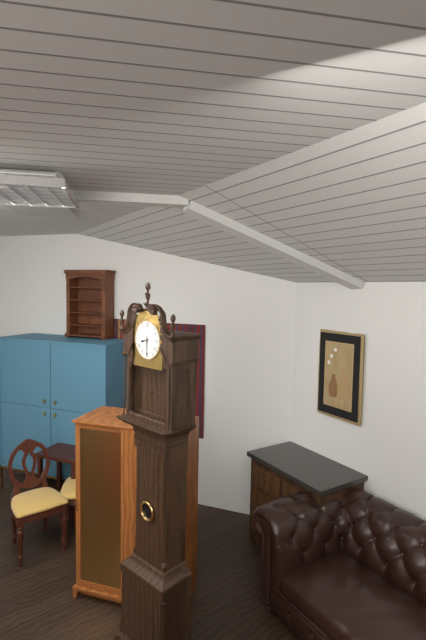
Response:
h=8 m=30
